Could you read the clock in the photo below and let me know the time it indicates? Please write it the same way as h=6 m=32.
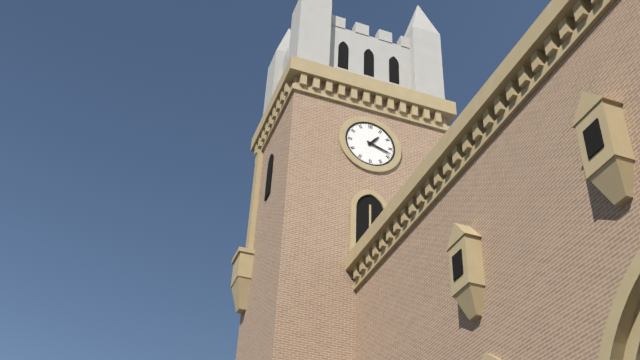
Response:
h=1 m=18
